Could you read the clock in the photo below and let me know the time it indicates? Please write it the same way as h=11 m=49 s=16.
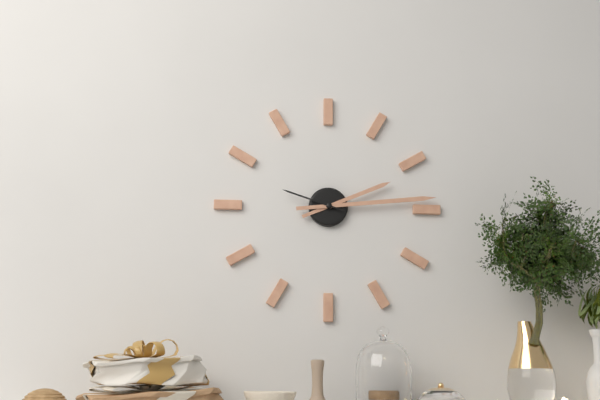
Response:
h=2 m=14 s=48
